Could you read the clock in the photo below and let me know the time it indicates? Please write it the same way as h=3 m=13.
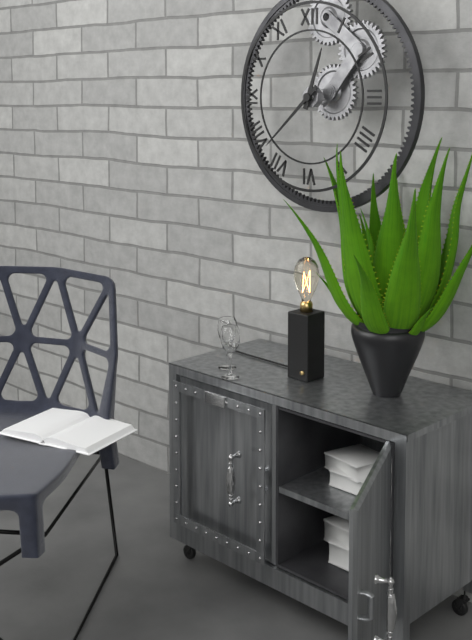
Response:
h=12 m=38
